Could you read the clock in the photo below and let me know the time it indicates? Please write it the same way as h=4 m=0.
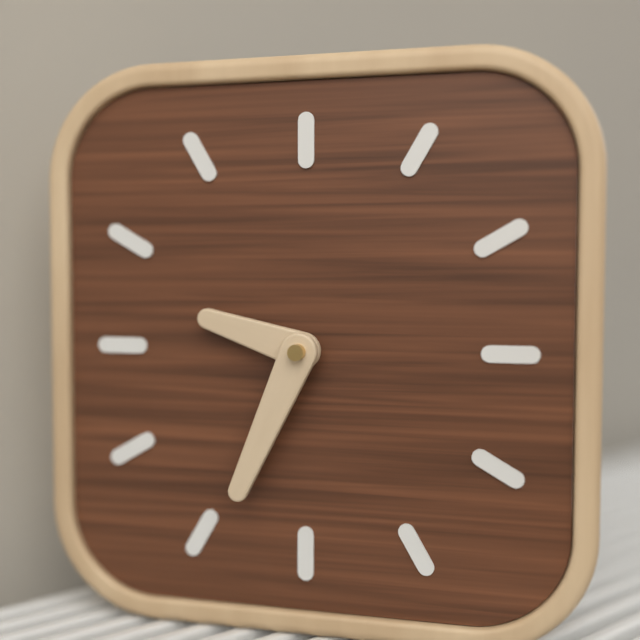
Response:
h=9 m=34
